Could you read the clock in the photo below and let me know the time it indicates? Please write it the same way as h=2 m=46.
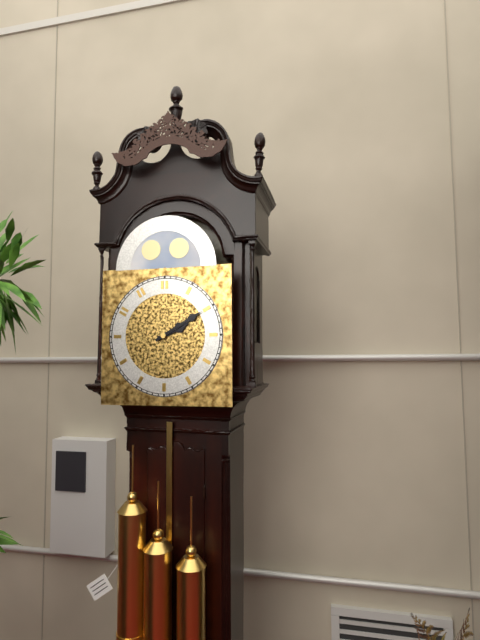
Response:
h=2 m=10
